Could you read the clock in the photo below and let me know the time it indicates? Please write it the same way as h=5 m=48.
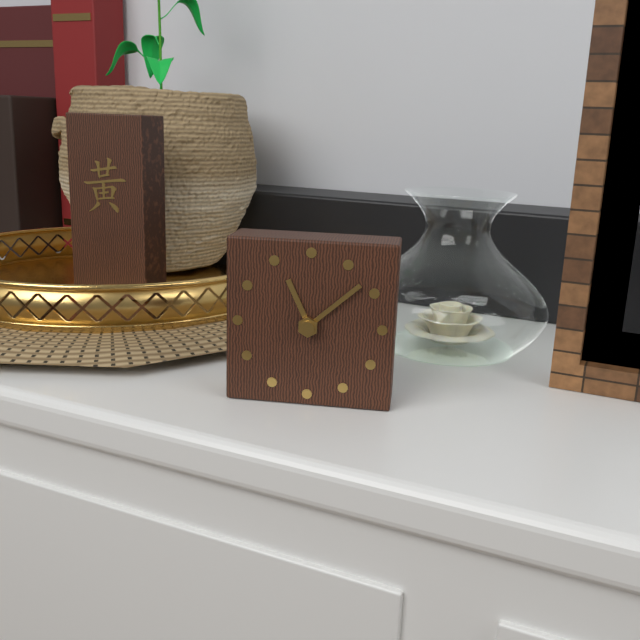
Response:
h=11 m=8
